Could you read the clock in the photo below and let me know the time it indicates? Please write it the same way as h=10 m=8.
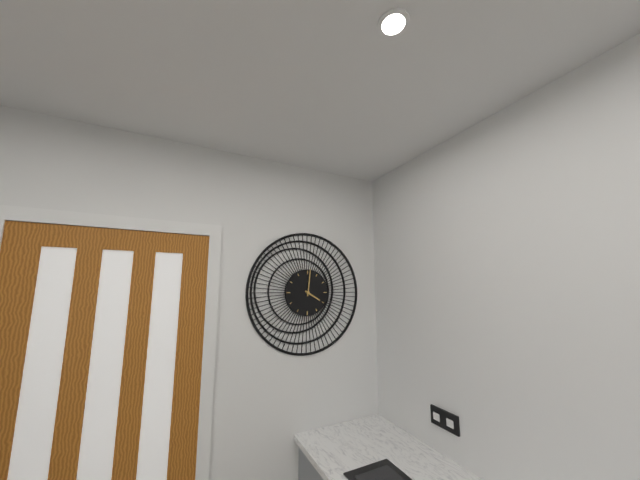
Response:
h=4 m=1
